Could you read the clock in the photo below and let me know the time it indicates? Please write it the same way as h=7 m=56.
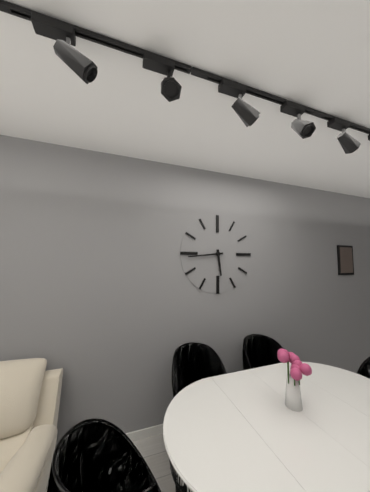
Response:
h=5 m=44
